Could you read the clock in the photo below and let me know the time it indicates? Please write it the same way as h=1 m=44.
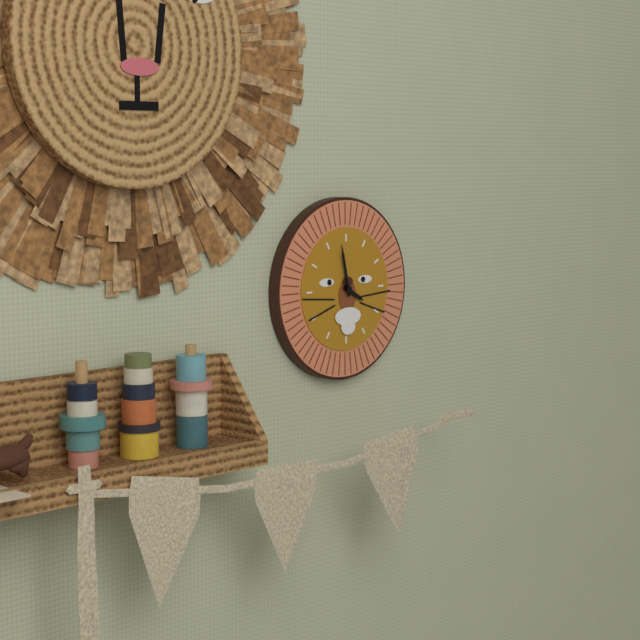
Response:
h=3 m=58
